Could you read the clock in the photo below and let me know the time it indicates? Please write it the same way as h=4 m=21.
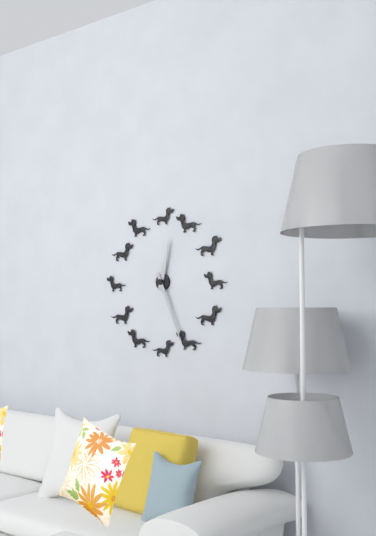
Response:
h=12 m=26
